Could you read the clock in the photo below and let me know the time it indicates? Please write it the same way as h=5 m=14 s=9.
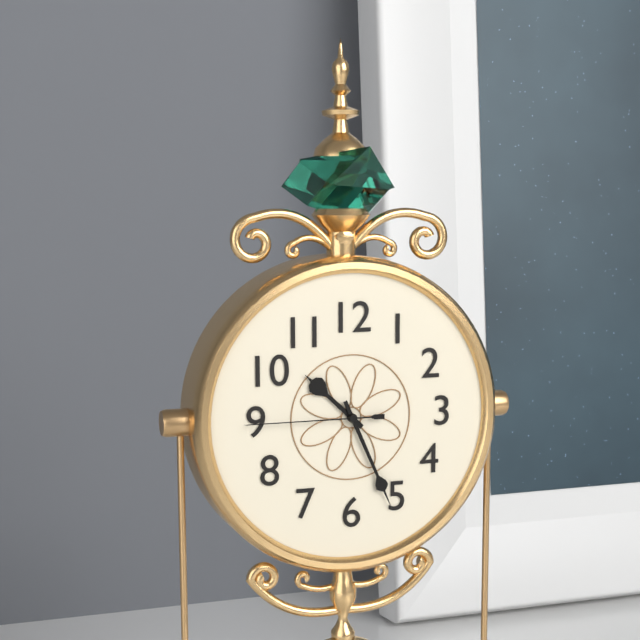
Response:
h=10 m=26 s=45
